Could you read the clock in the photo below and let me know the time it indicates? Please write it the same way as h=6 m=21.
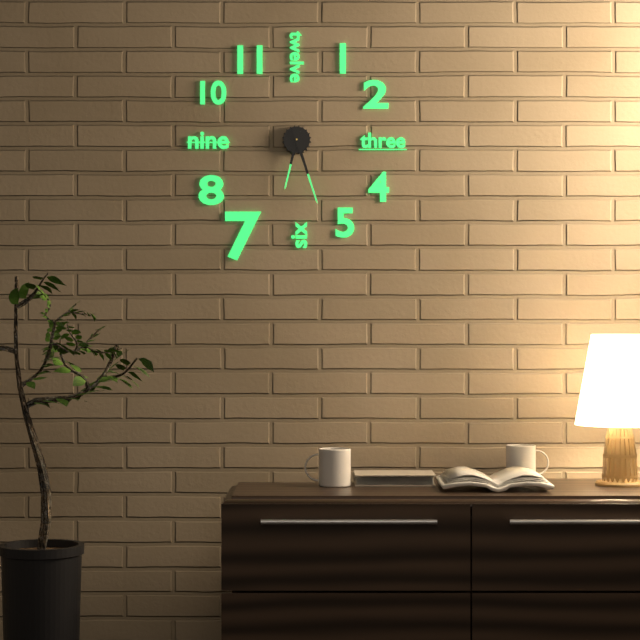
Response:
h=6 m=27
